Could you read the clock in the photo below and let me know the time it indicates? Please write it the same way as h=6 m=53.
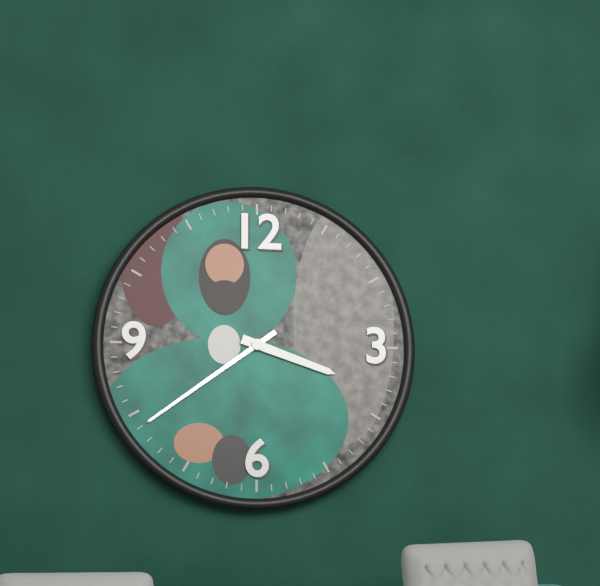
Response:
h=3 m=39
